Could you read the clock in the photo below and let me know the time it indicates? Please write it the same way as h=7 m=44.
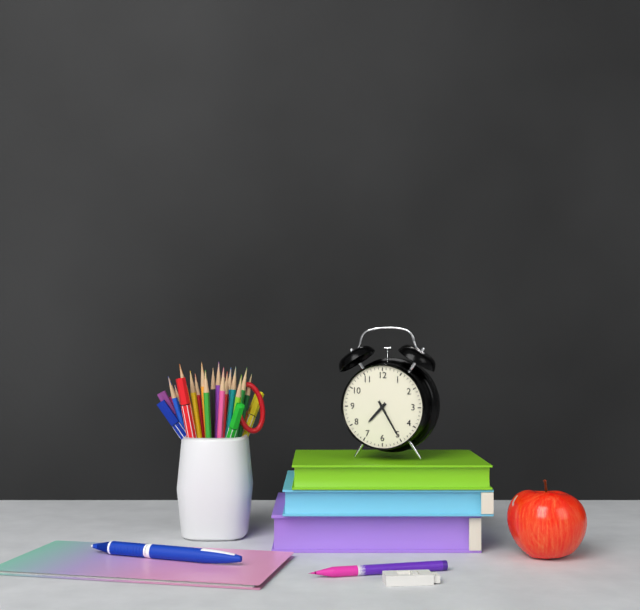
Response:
h=7 m=25
